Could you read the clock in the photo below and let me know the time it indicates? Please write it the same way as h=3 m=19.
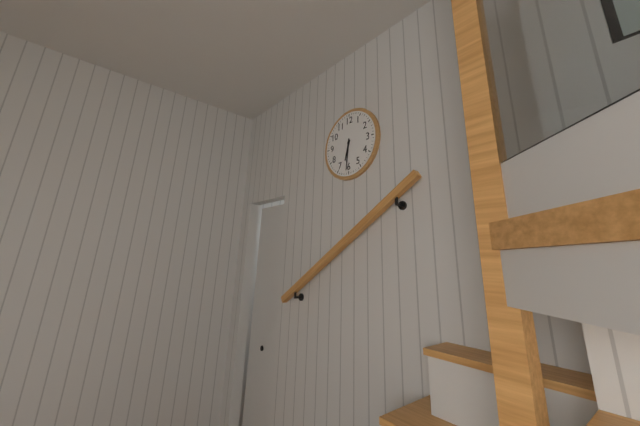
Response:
h=6 m=31
